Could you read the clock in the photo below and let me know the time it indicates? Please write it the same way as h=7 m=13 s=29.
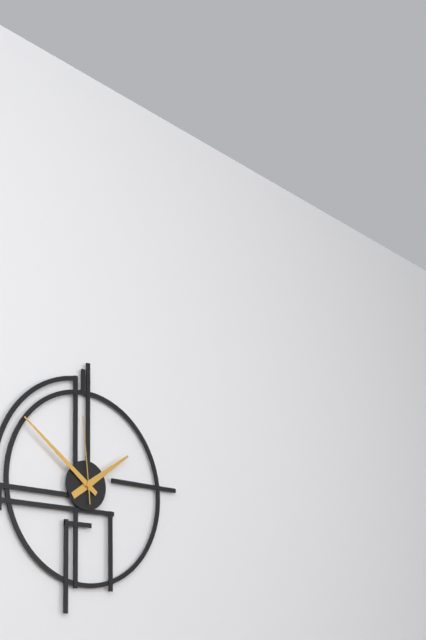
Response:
h=1 m=51 s=59
